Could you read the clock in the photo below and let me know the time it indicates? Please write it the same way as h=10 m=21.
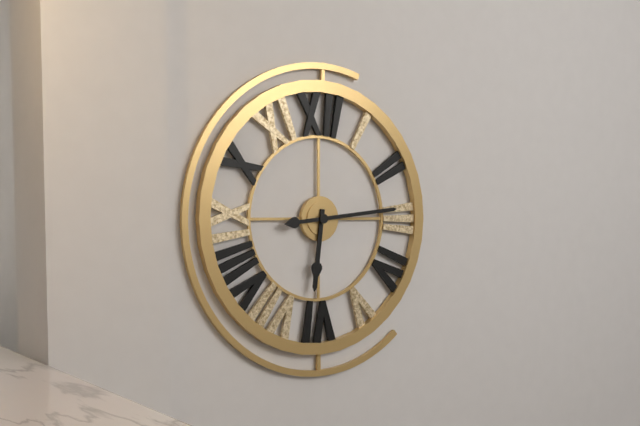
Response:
h=6 m=14
